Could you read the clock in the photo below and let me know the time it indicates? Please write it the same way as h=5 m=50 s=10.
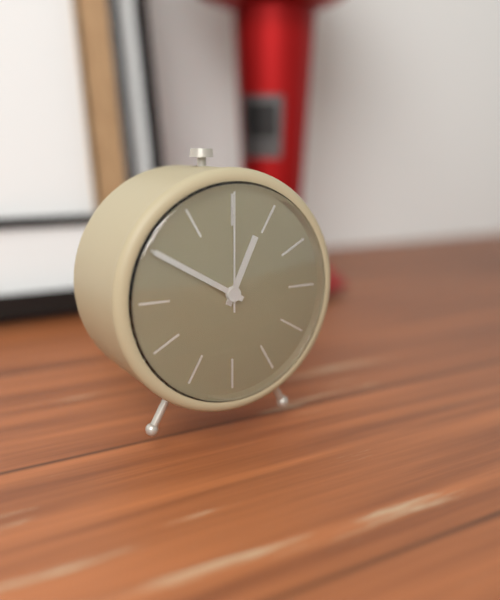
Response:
h=12 m=50 s=0
